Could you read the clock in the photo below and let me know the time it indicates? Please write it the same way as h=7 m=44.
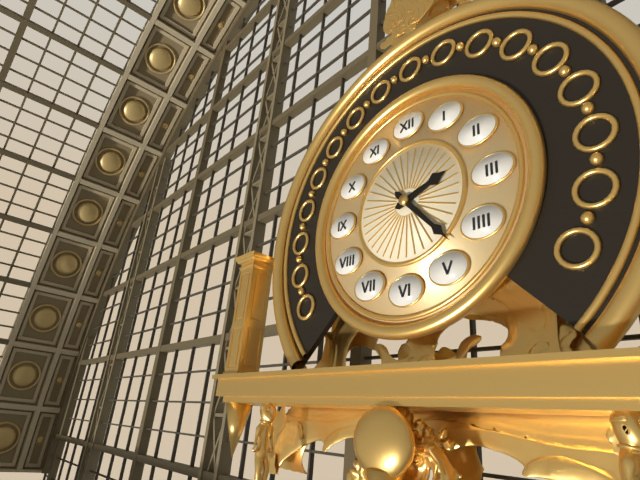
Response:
h=2 m=23
